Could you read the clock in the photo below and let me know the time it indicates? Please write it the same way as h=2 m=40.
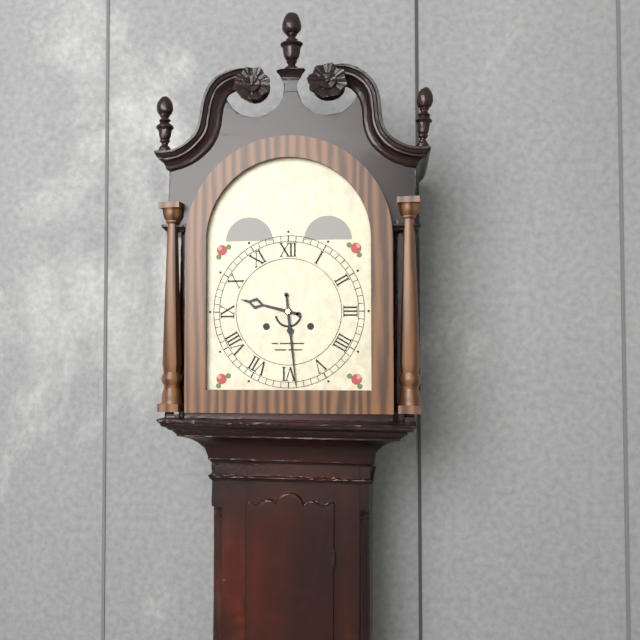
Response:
h=9 m=29
